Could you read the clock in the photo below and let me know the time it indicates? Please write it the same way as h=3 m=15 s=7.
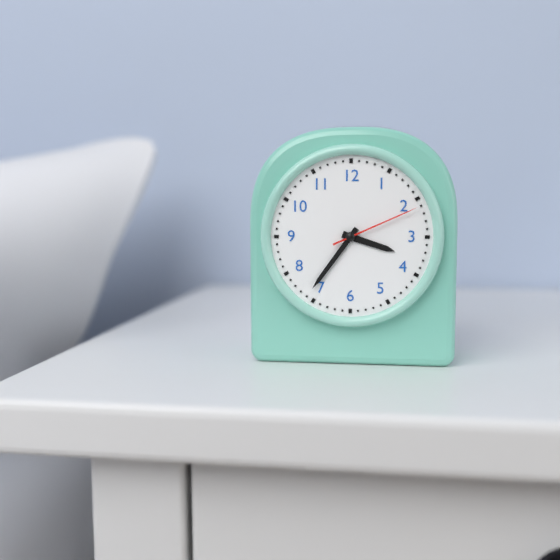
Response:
h=3 m=36 s=11
